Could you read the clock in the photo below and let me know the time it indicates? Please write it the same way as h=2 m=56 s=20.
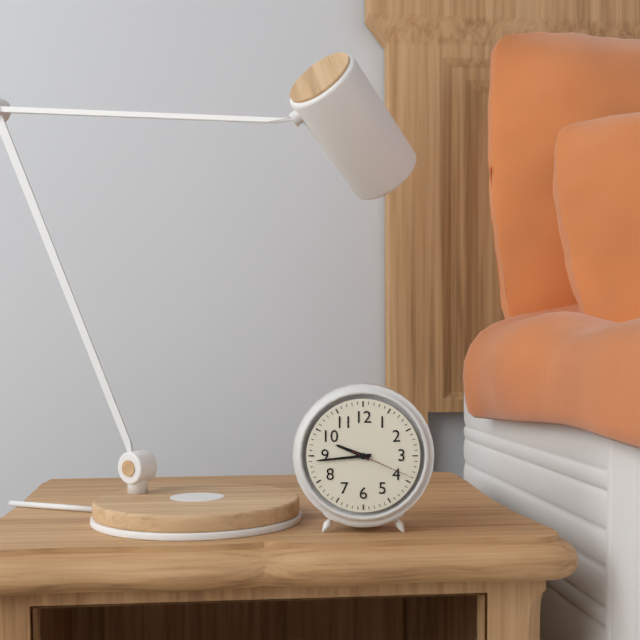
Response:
h=9 m=44 s=19
